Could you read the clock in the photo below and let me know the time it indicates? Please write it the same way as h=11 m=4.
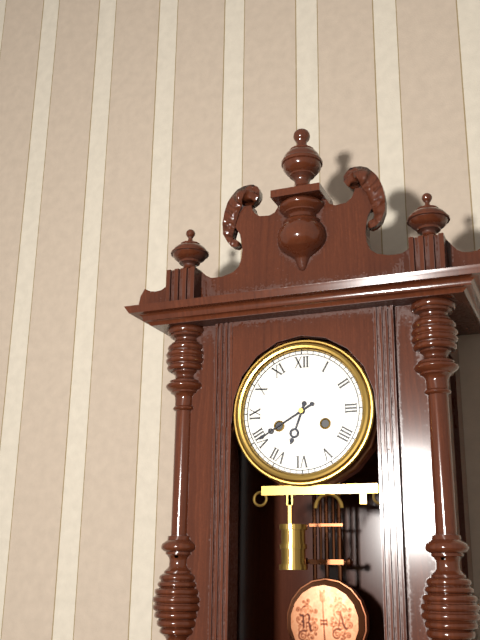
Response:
h=6 m=40
